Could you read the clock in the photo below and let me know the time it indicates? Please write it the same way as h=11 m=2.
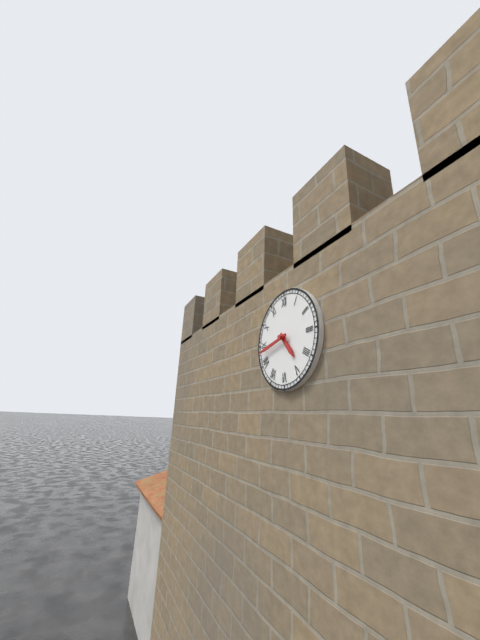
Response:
h=4 m=43
